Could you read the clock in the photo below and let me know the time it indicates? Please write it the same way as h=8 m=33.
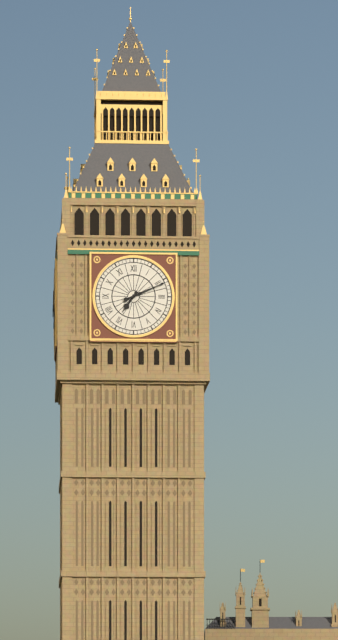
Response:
h=7 m=11
